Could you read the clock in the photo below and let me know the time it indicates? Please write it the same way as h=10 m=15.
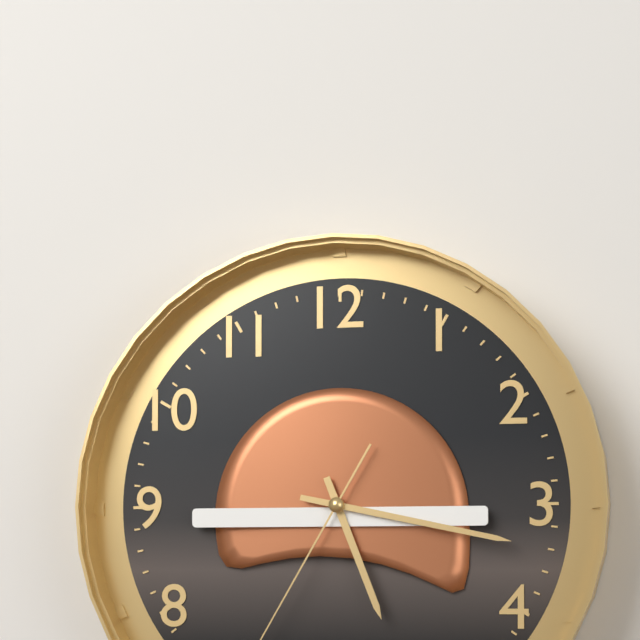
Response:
h=5 m=17
